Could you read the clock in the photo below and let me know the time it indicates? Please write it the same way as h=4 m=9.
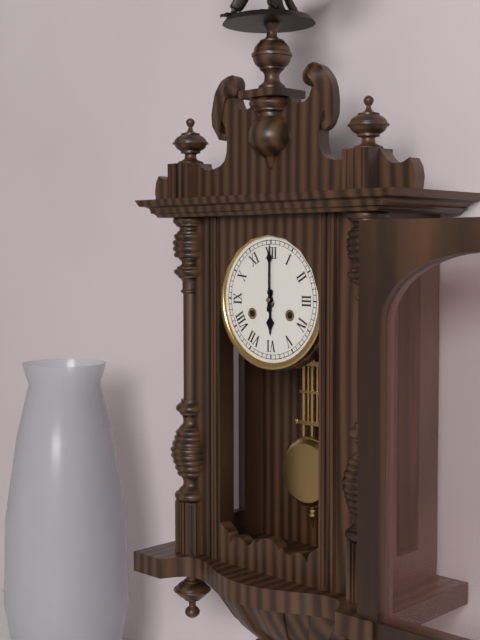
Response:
h=6 m=0
